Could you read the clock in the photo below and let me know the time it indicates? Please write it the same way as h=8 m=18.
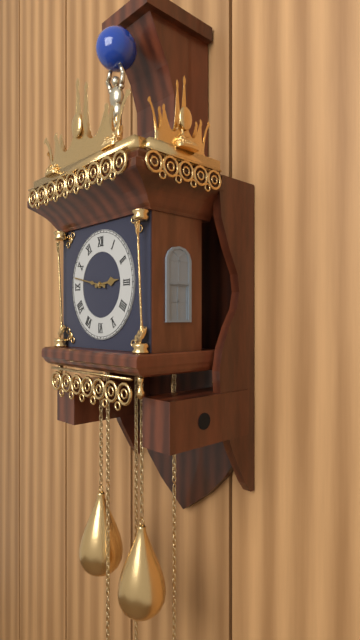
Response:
h=2 m=47
